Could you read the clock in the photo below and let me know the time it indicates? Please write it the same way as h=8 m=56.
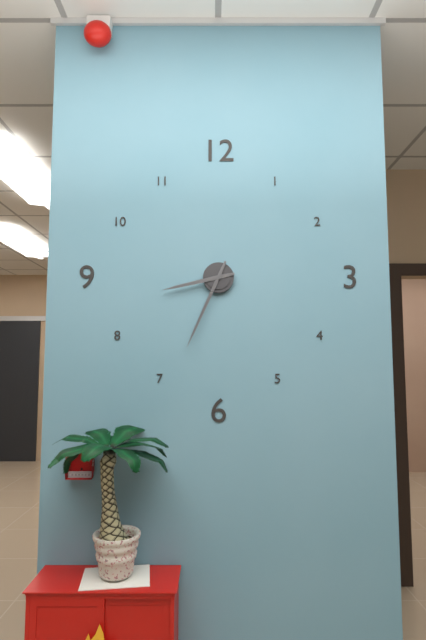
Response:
h=8 m=34
